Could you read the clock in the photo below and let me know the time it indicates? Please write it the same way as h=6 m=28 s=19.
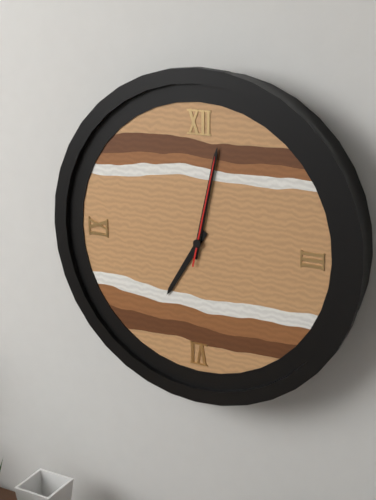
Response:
h=7 m=2 s=2
